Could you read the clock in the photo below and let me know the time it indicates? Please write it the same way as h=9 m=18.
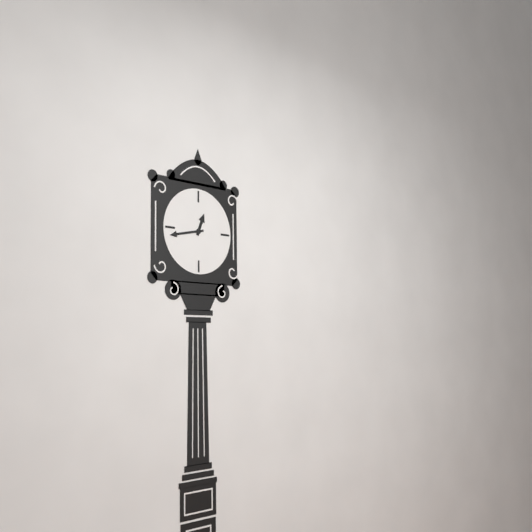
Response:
h=12 m=43
